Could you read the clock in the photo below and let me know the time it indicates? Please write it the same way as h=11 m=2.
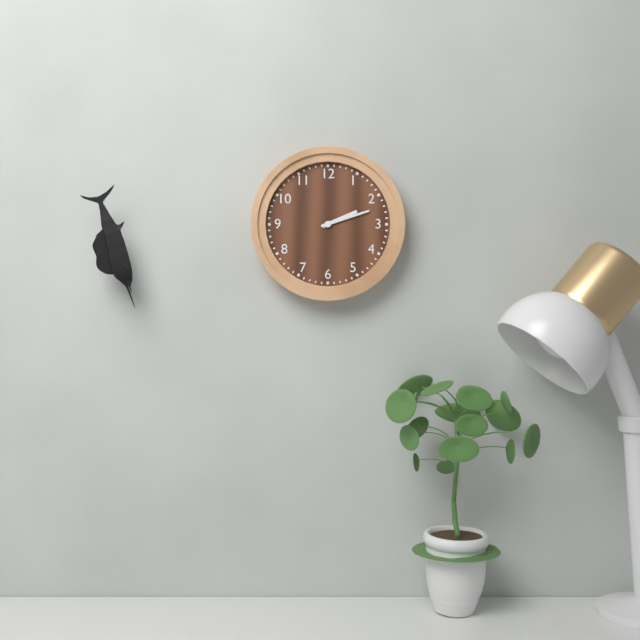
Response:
h=2 m=12
